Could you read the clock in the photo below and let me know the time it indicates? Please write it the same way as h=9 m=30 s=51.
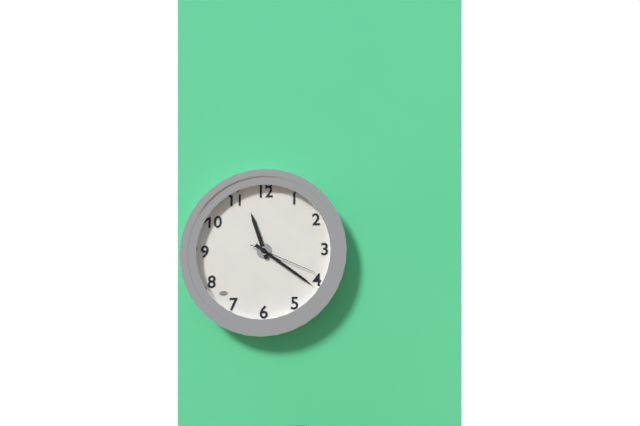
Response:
h=11 m=21 s=19
